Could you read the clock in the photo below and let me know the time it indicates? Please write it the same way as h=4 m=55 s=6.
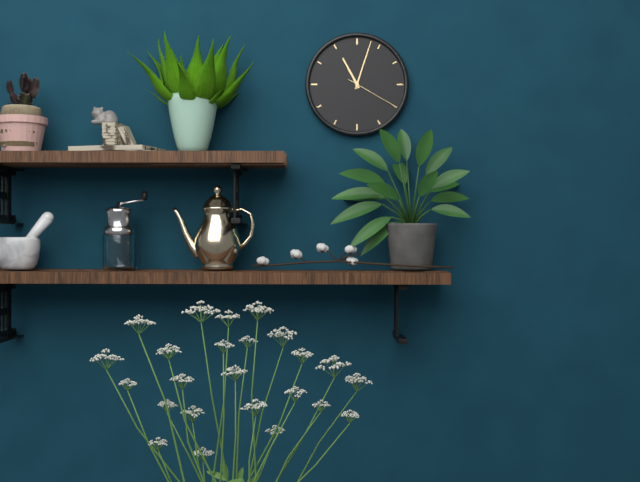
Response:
h=11 m=3 s=20
